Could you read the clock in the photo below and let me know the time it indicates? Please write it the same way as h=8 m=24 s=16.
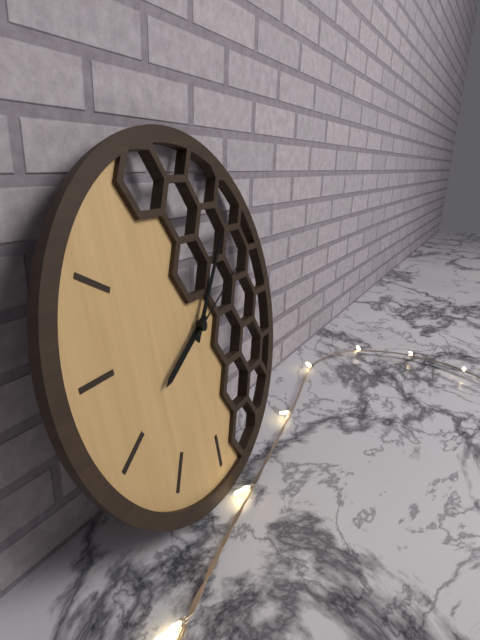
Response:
h=8 m=7 s=11
